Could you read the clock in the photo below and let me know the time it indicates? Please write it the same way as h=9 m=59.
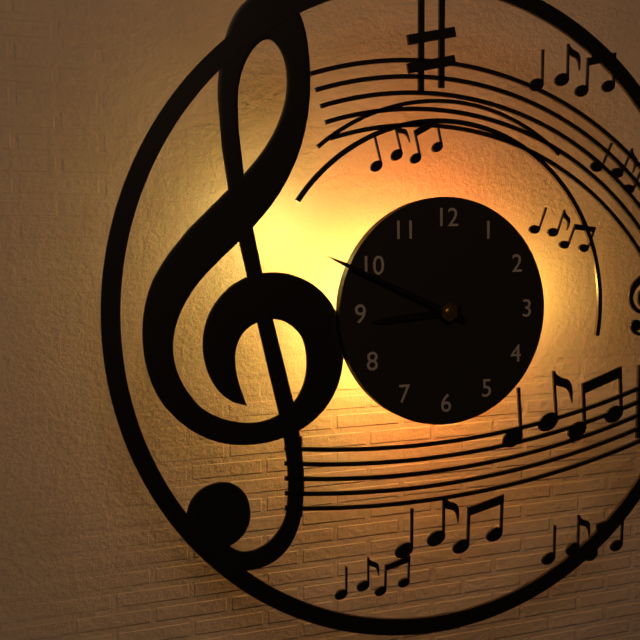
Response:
h=8 m=49
